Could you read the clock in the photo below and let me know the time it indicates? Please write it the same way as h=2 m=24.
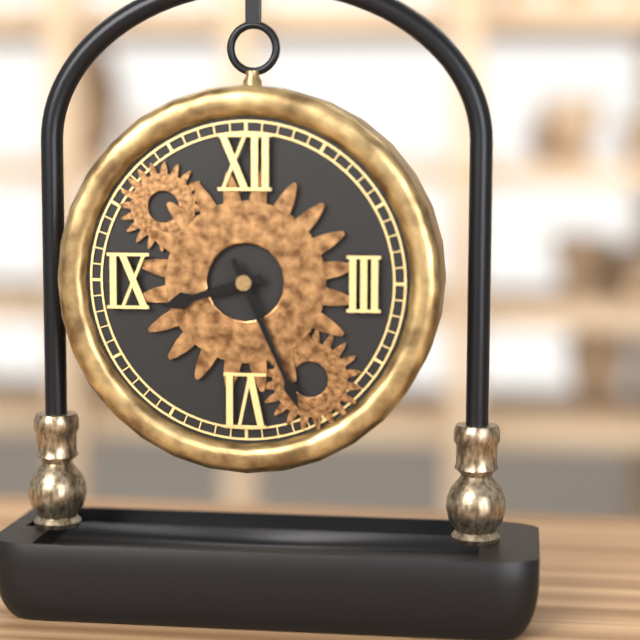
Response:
h=8 m=26
